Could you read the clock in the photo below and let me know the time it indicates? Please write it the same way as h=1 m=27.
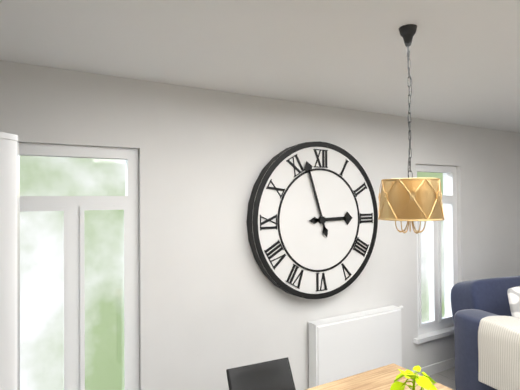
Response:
h=2 m=57
